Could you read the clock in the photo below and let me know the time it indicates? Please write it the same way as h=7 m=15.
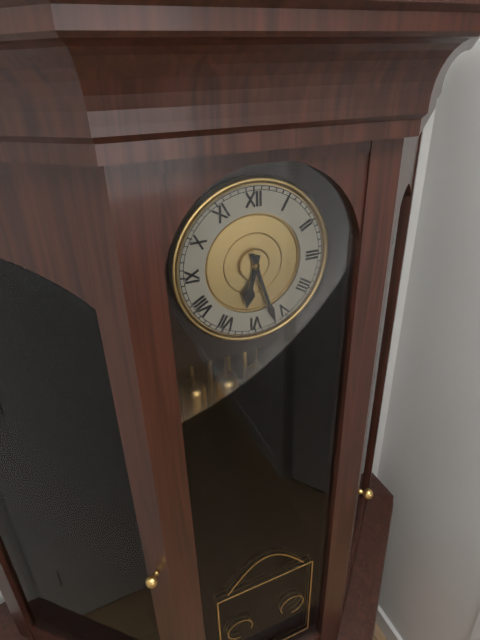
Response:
h=6 m=27
